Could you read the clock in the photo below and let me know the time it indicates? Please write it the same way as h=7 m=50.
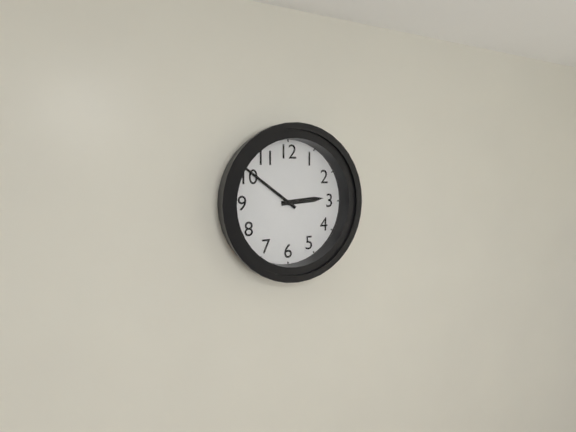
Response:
h=2 m=51
